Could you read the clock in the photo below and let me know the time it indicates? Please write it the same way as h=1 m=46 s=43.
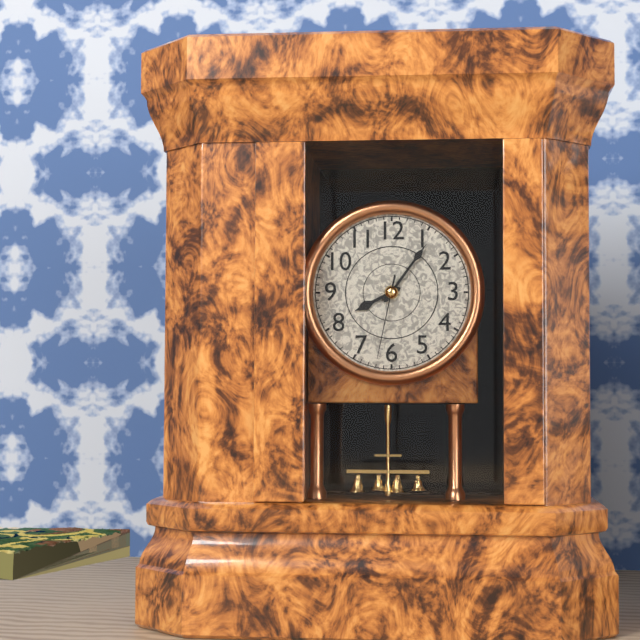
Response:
h=8 m=6 s=32
